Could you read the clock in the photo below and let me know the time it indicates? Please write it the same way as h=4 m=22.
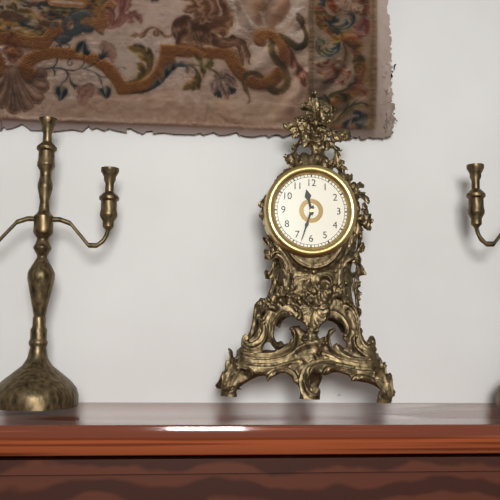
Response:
h=11 m=33
